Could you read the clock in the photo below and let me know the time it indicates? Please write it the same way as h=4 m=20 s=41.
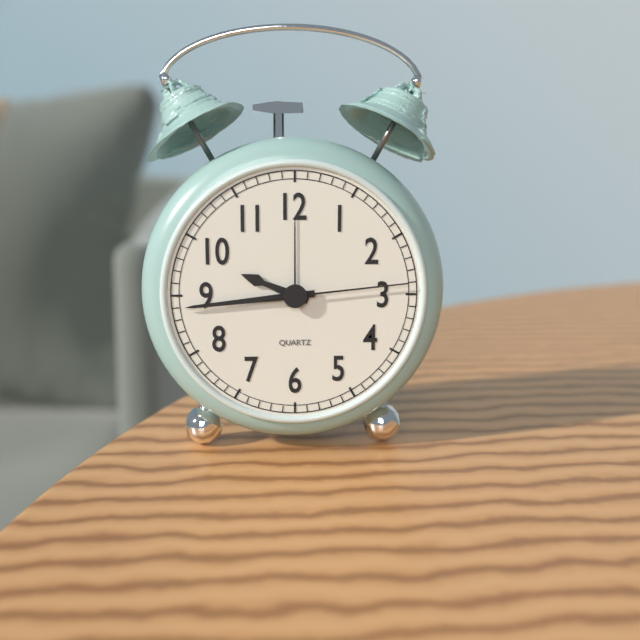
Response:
h=9 m=44 s=14
